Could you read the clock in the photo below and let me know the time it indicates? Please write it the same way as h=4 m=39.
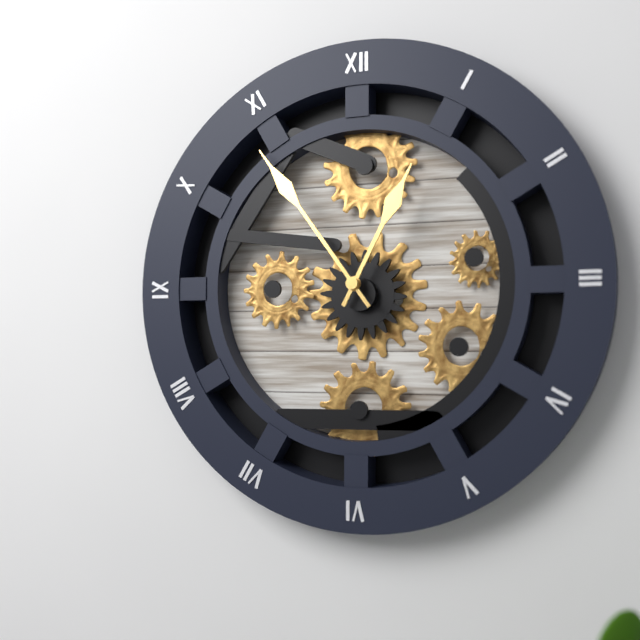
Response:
h=12 m=54
